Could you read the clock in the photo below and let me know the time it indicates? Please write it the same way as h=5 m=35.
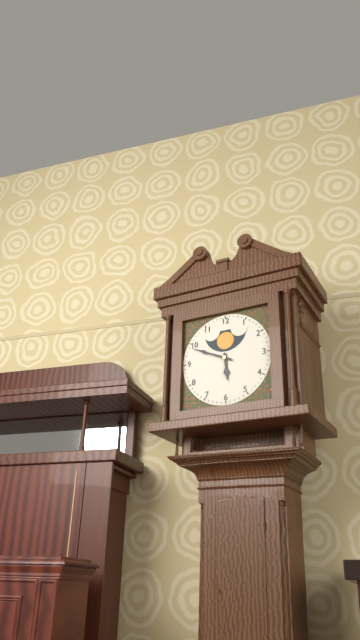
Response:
h=5 m=49
